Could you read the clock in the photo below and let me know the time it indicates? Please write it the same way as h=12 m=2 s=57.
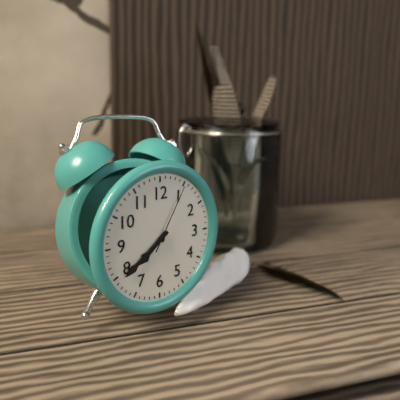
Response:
h=7 m=39 s=5
